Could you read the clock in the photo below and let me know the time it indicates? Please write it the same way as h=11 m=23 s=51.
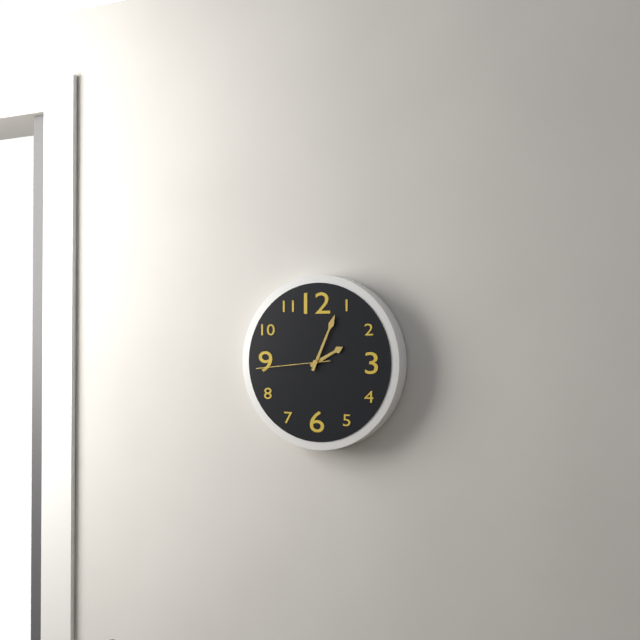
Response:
h=2 m=4 s=44
